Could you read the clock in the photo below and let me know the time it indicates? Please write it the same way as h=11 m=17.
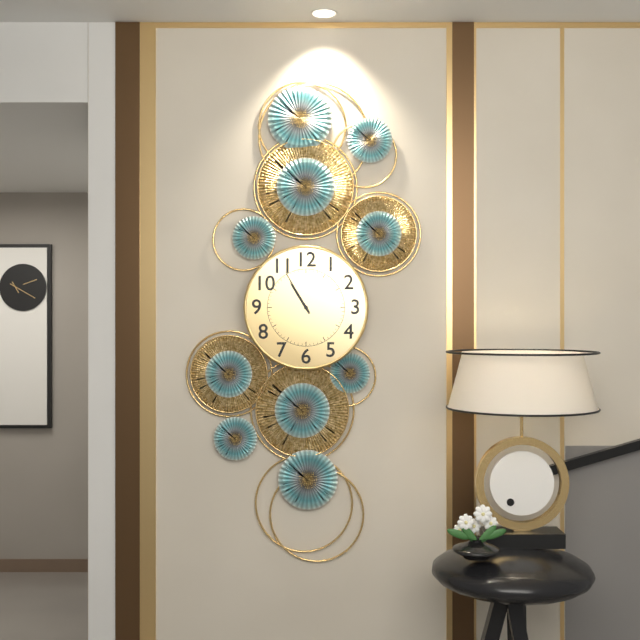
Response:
h=10 m=55
